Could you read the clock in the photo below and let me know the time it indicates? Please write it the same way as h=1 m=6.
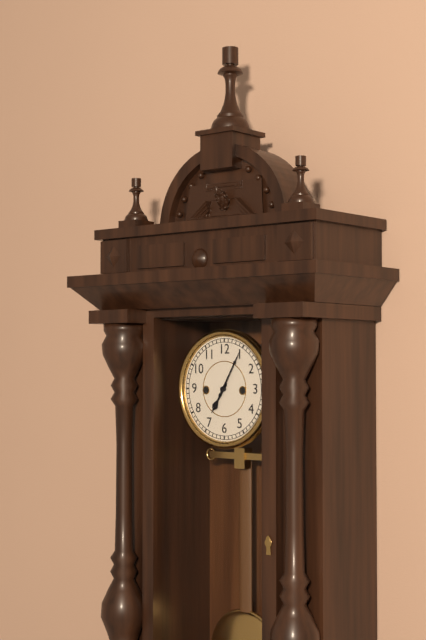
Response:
h=7 m=5
